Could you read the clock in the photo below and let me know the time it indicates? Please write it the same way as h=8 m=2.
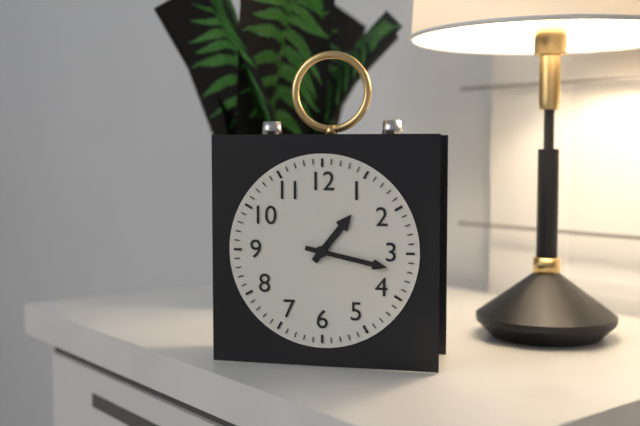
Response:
h=1 m=17
